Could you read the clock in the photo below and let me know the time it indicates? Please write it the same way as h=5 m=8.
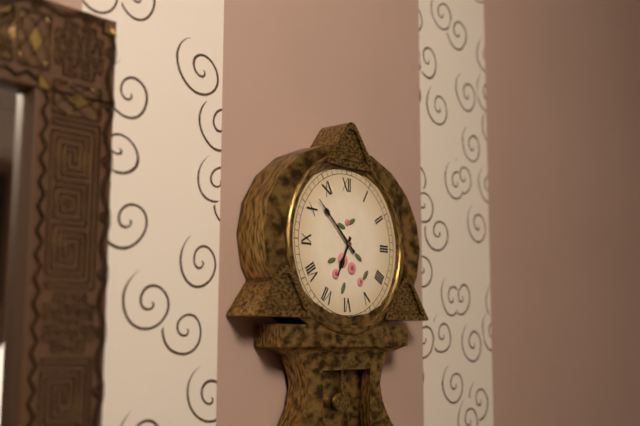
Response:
h=6 m=52
